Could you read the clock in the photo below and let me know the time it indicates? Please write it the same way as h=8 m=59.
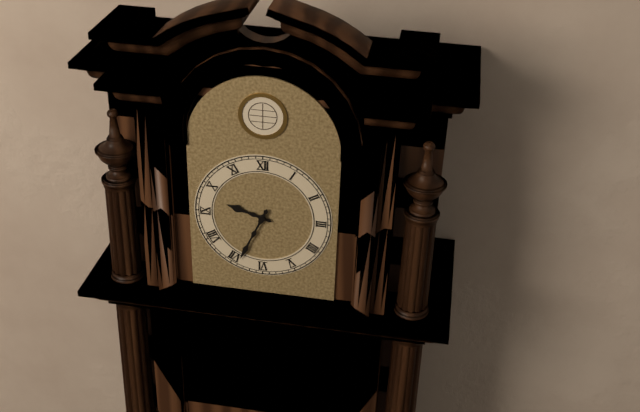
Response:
h=9 m=34
